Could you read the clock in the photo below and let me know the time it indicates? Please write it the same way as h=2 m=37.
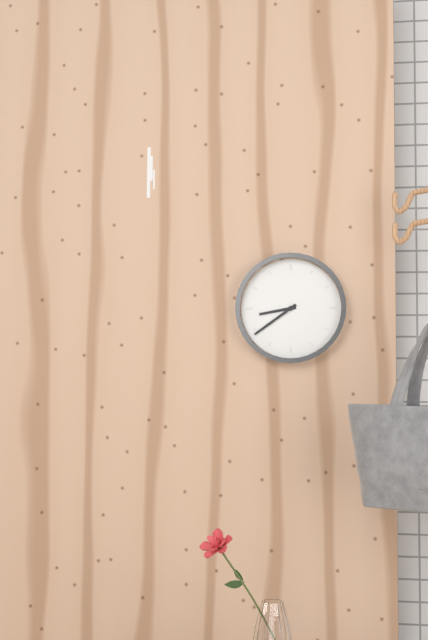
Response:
h=8 m=39
